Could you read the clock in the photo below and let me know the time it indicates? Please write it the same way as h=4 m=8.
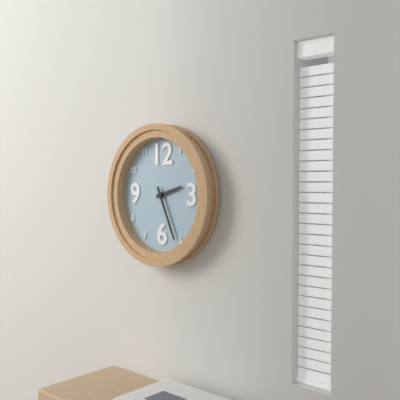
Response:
h=2 m=26
